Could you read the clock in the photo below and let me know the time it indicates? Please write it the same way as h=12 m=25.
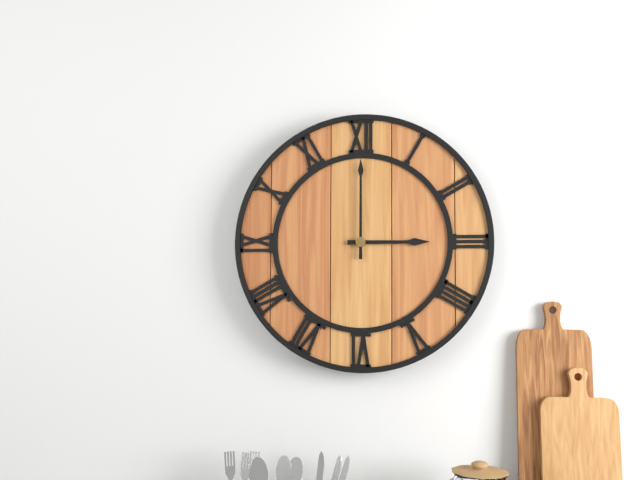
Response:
h=3 m=0
